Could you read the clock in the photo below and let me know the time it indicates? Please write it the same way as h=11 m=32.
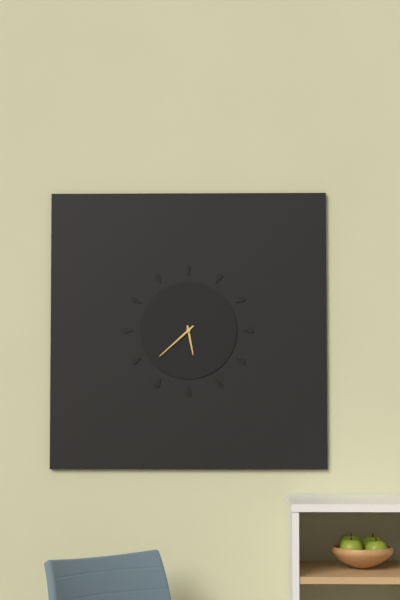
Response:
h=5 m=38
